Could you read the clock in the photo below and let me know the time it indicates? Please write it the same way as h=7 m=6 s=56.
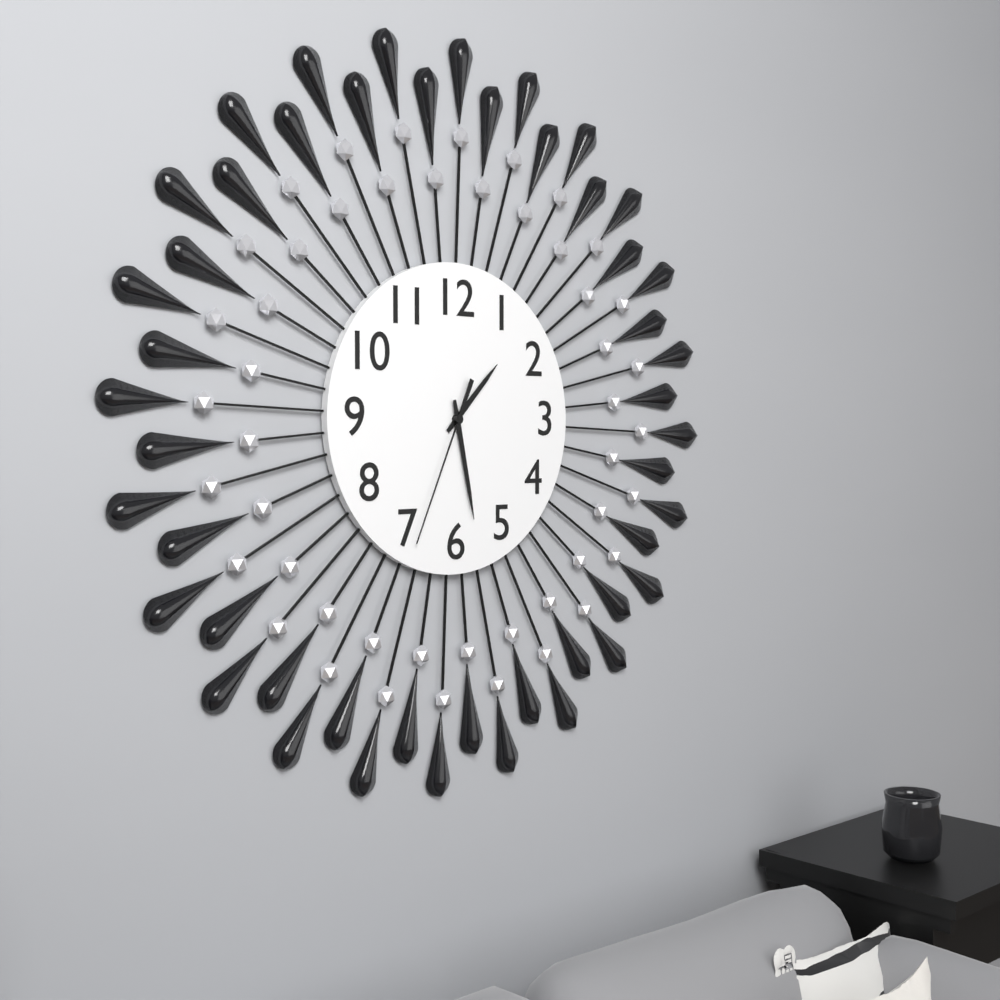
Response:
h=1 m=28 s=34
